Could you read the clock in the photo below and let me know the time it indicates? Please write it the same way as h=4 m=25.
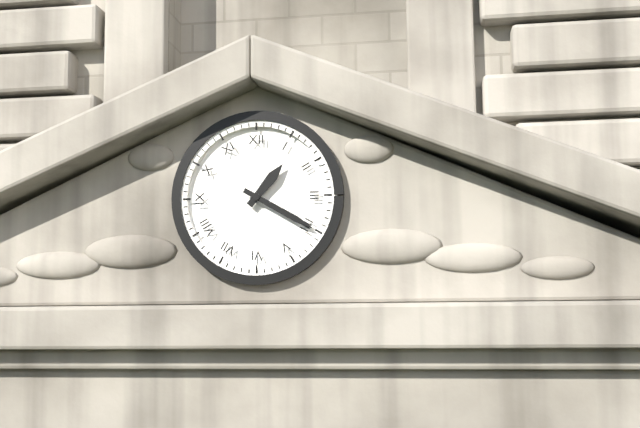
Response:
h=1 m=20
